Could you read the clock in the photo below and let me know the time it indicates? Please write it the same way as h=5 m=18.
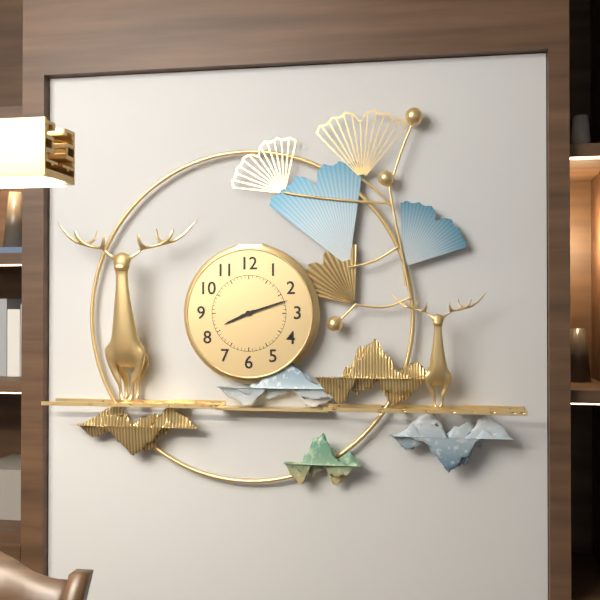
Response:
h=8 m=12
